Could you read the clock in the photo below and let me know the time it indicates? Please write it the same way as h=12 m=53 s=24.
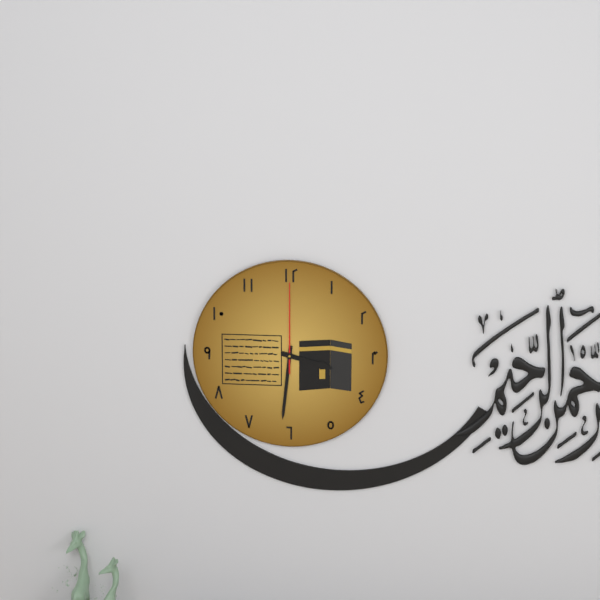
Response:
h=3 m=31 s=0
